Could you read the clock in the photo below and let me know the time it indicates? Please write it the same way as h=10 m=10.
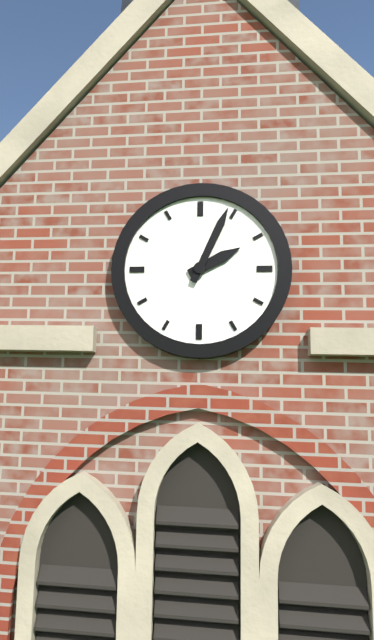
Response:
h=2 m=4
